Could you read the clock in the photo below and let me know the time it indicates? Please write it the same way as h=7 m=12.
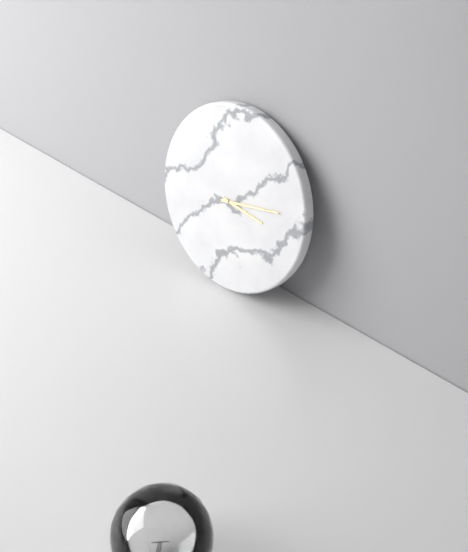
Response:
h=3 m=13
